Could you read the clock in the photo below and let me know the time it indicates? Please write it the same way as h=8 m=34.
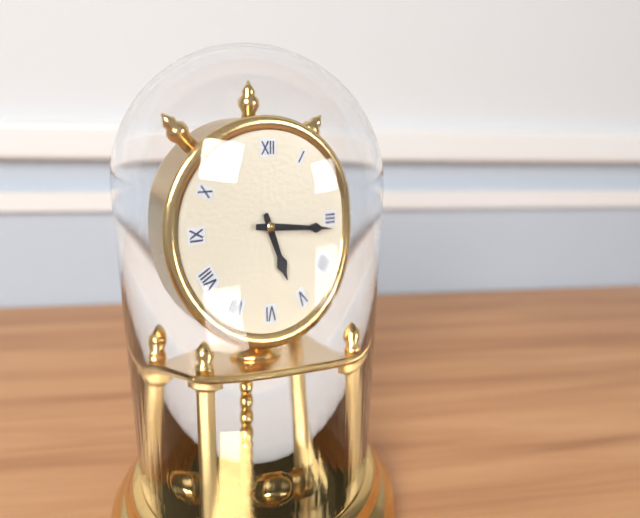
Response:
h=5 m=16
